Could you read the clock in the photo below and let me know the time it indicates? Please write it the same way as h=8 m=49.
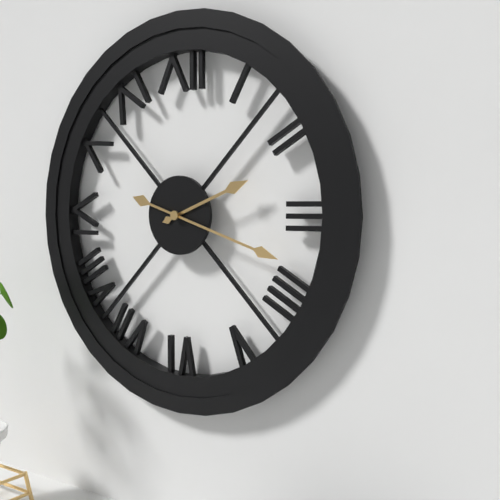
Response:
h=2 m=18
